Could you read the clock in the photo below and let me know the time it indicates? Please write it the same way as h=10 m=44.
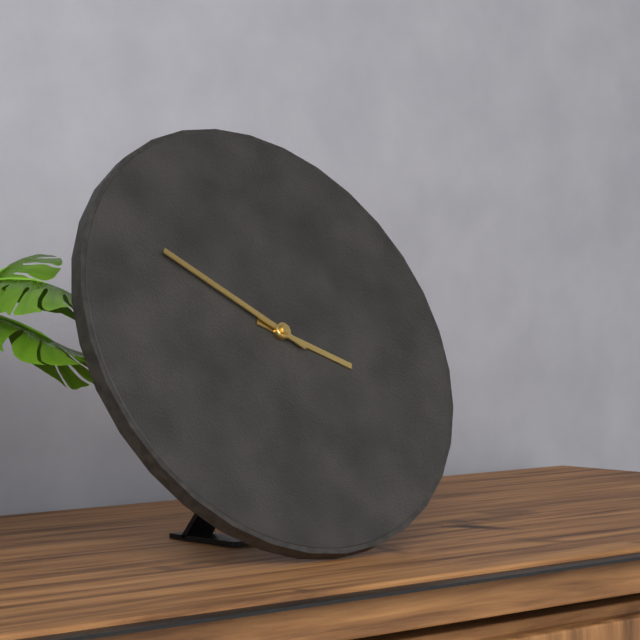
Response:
h=3 m=51
